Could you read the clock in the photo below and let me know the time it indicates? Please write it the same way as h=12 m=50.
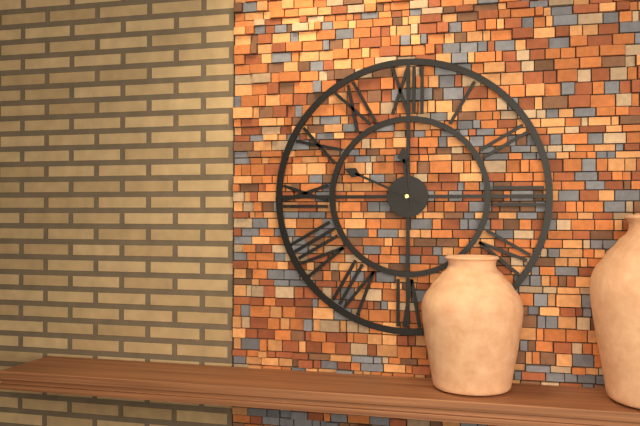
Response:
h=11 m=49
